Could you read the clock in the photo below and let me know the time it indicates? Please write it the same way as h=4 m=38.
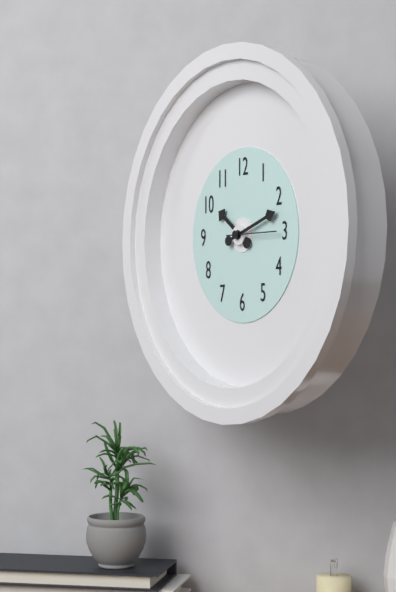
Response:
h=10 m=12
